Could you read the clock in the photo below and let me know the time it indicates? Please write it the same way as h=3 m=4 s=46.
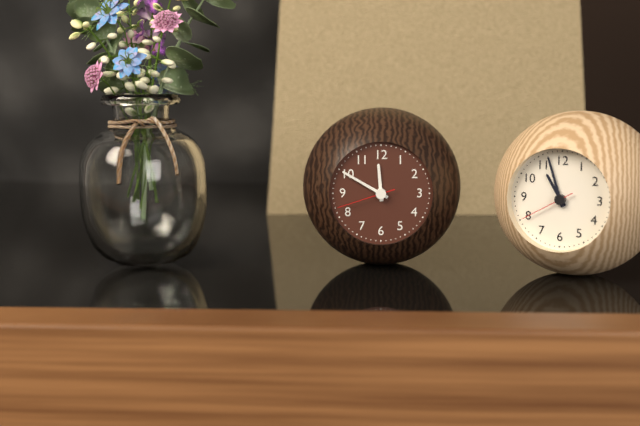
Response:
h=11 m=50 s=42
